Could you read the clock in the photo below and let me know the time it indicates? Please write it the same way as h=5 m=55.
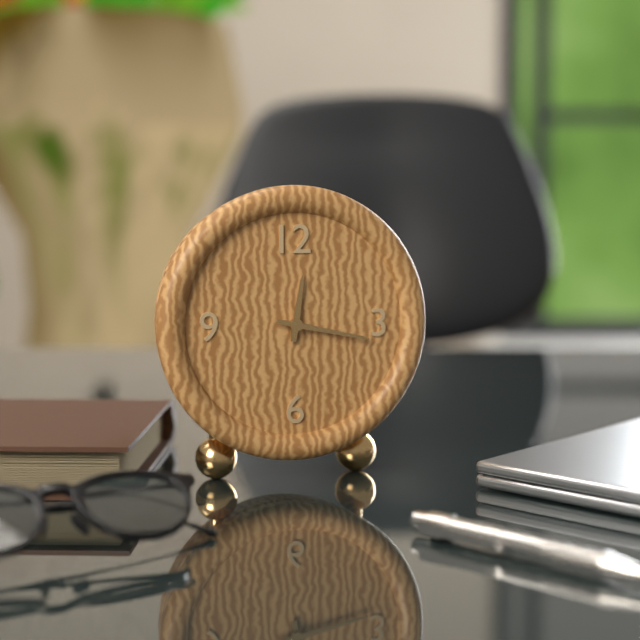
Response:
h=12 m=17
